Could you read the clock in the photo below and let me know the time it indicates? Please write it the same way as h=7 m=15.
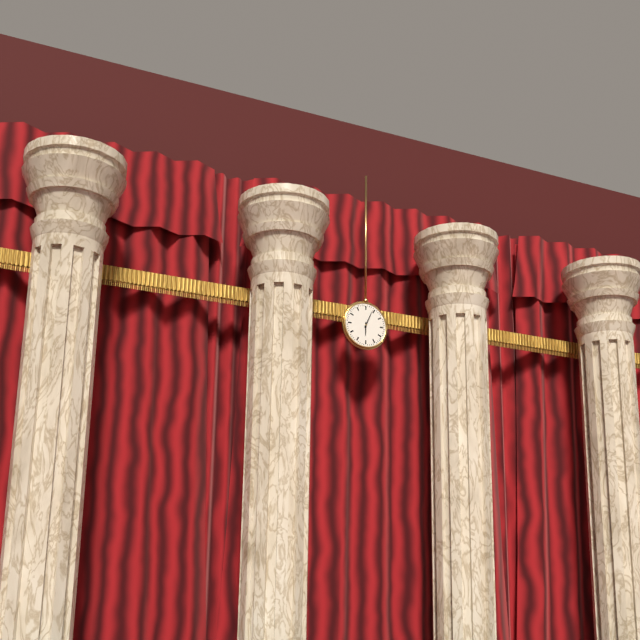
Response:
h=6 m=4
